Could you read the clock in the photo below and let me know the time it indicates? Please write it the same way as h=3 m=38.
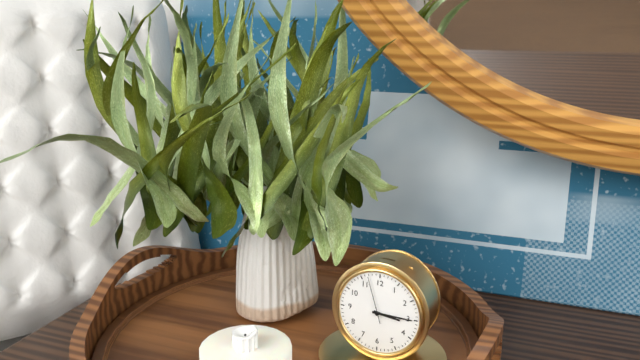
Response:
h=3 m=15
